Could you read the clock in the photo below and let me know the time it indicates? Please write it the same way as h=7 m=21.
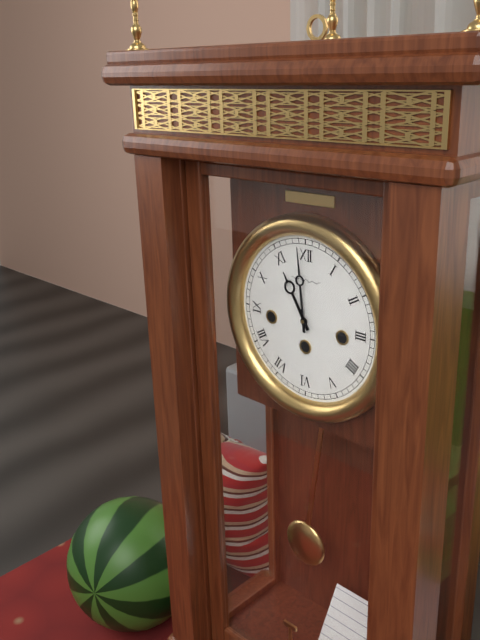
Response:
h=10 m=59
